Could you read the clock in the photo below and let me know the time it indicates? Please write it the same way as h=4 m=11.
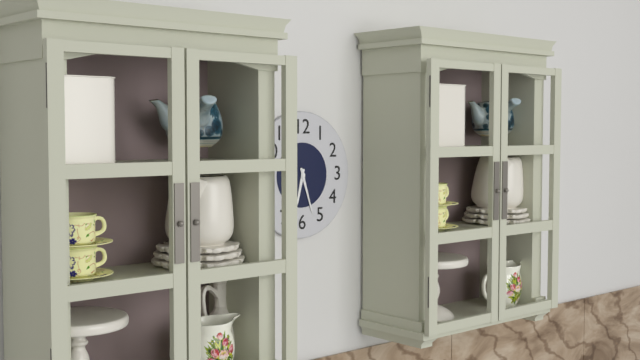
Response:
h=6 m=27
